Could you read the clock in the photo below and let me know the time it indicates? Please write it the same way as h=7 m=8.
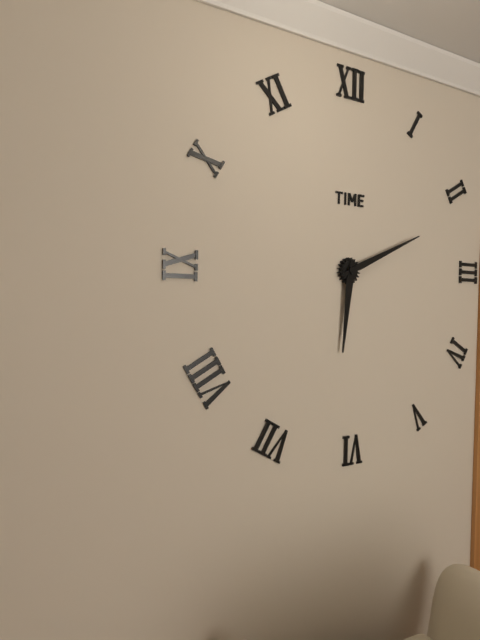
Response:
h=6 m=11
